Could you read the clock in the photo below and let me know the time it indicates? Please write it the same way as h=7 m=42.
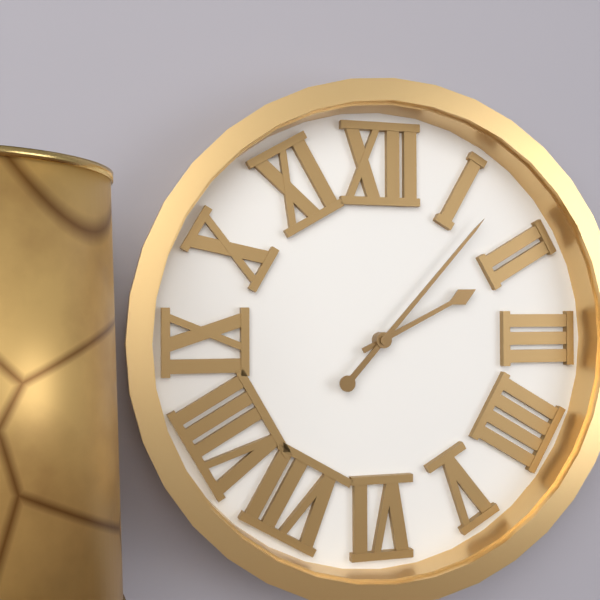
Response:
h=2 m=7
